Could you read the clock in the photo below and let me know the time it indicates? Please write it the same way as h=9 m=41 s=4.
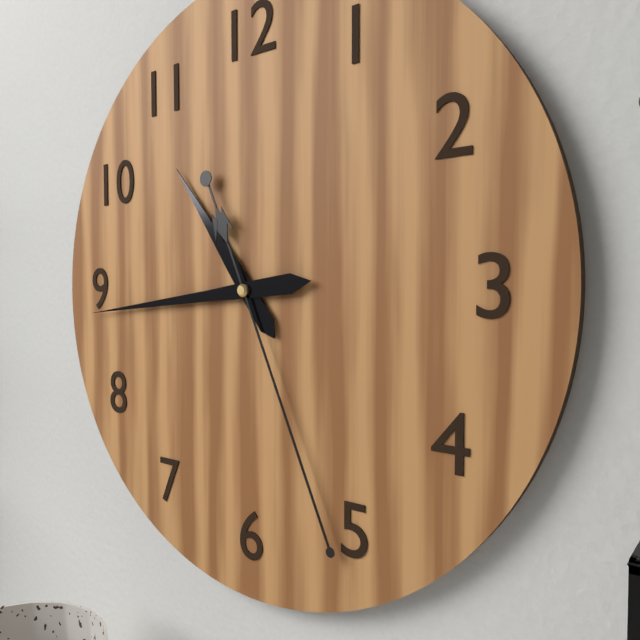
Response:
h=10 m=44 s=26
